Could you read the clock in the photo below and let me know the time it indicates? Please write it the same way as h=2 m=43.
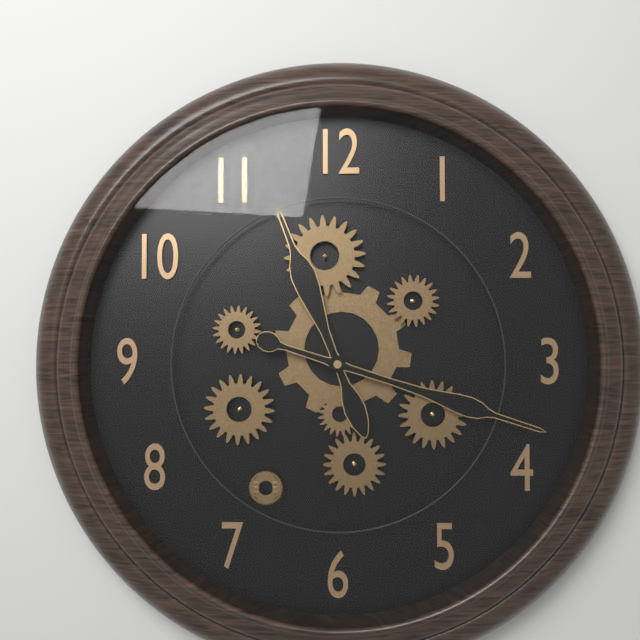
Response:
h=11 m=18
